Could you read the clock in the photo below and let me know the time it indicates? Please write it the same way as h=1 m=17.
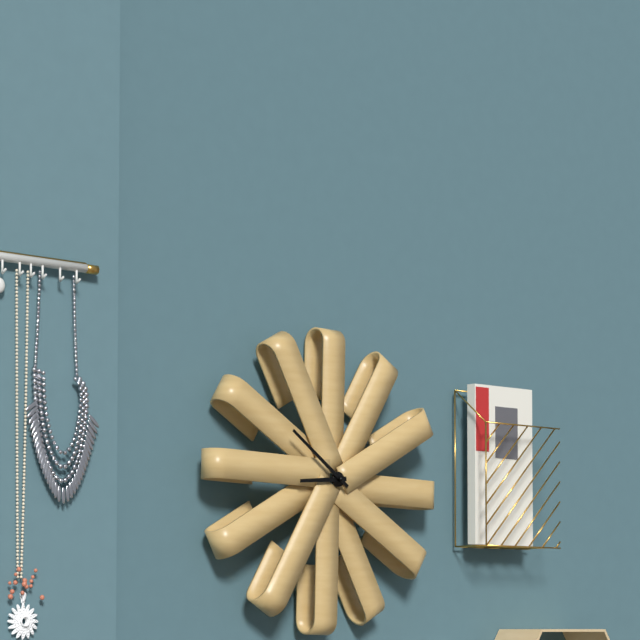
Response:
h=8 m=51
